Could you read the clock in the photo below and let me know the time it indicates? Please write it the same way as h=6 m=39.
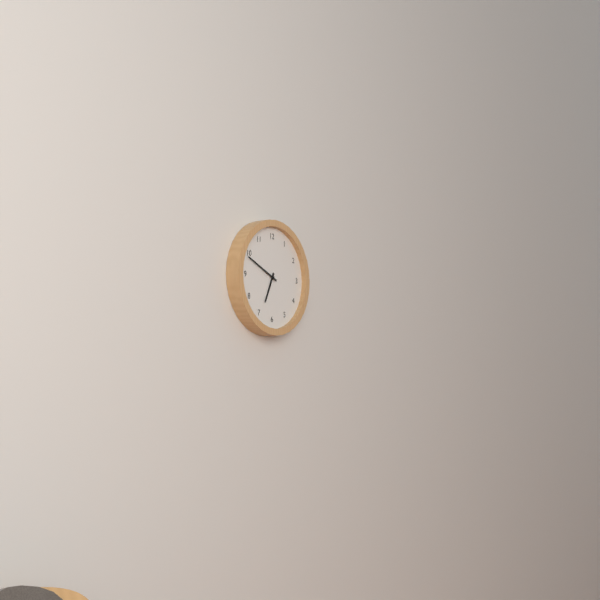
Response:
h=6 m=49
